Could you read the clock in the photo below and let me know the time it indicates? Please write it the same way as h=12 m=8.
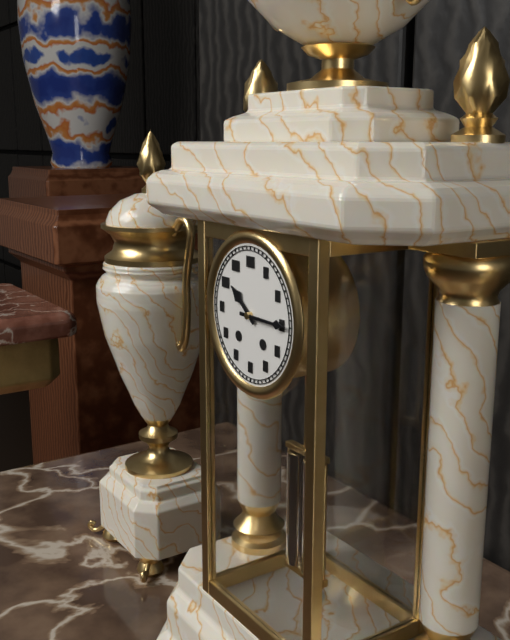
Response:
h=10 m=15
